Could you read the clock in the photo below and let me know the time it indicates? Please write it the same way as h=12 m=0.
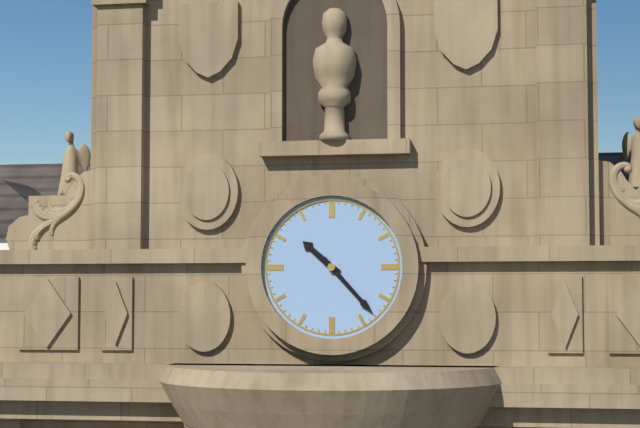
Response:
h=10 m=23
